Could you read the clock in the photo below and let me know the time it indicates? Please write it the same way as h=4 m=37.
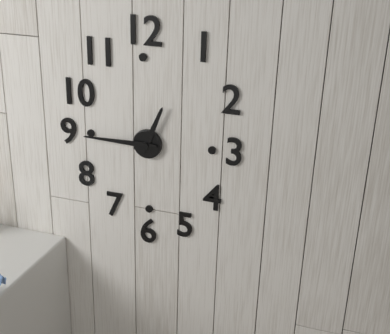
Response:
h=12 m=45
